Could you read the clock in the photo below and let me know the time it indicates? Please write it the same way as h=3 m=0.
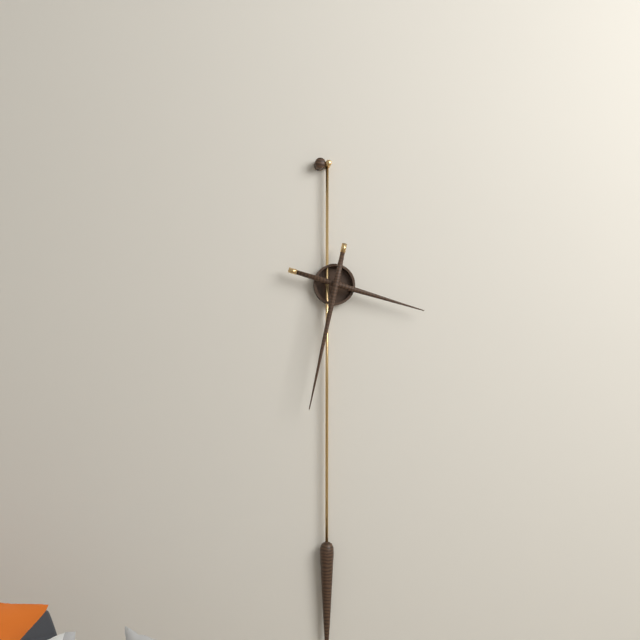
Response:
h=3 m=32
